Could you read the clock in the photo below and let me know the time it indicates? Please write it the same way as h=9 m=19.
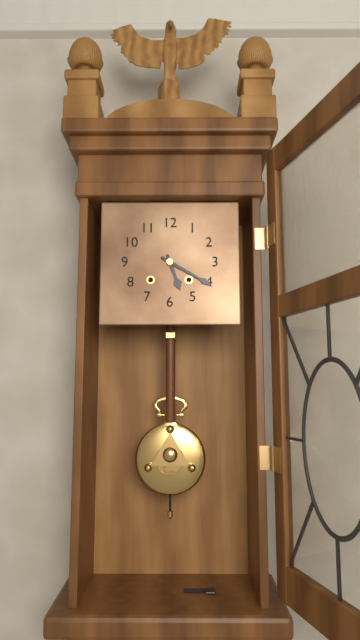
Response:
h=5 m=20
